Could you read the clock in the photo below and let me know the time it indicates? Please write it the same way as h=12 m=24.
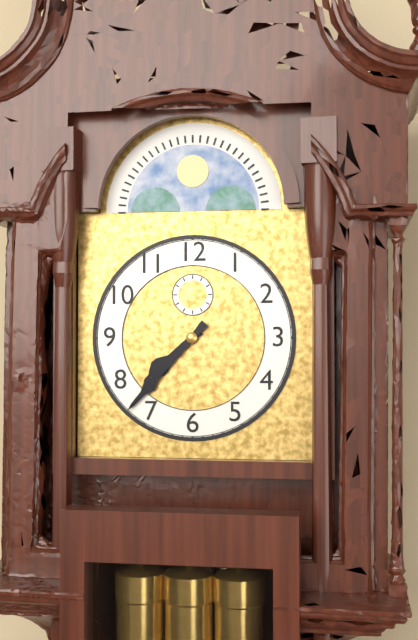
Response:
h=7 m=37
